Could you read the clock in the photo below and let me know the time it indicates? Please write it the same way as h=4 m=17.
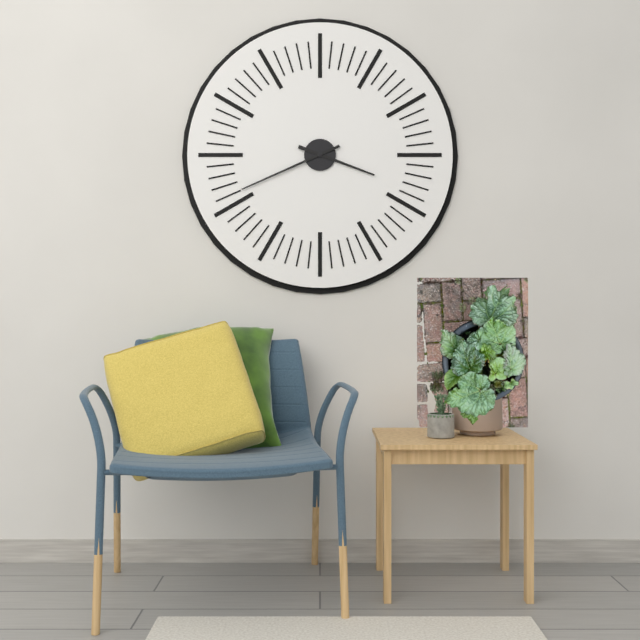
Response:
h=3 m=41
